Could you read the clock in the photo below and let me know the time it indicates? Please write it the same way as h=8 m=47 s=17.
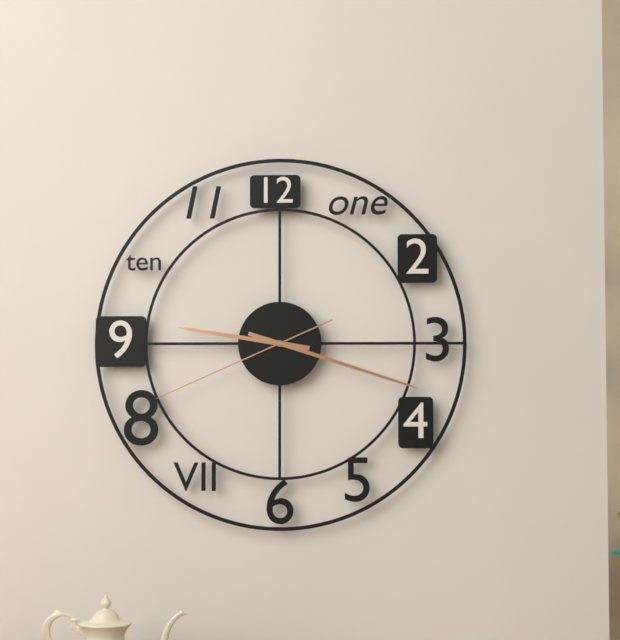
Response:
h=9 m=18 s=41
